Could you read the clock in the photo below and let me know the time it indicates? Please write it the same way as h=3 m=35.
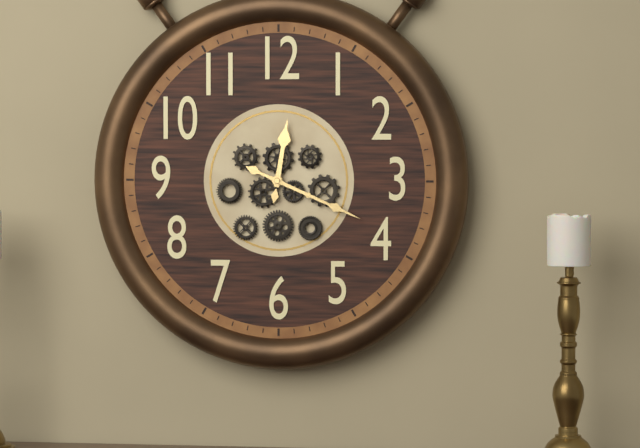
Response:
h=12 m=19
